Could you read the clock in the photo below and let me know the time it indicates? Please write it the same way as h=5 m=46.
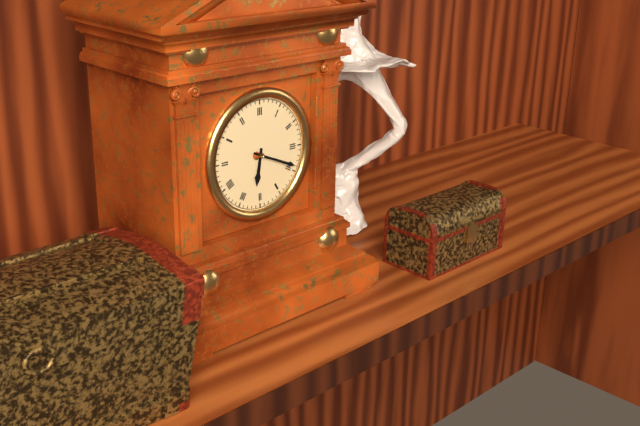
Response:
h=6 m=19
